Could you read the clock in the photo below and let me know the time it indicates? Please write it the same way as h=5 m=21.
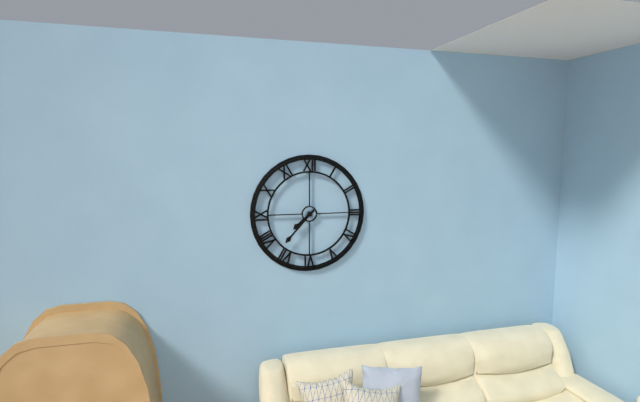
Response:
h=7 m=37
